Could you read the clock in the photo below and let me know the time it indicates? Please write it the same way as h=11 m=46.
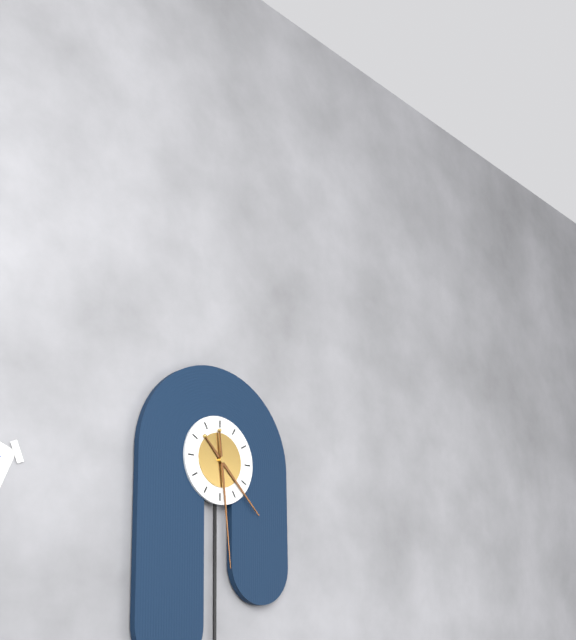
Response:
h=4 m=29
